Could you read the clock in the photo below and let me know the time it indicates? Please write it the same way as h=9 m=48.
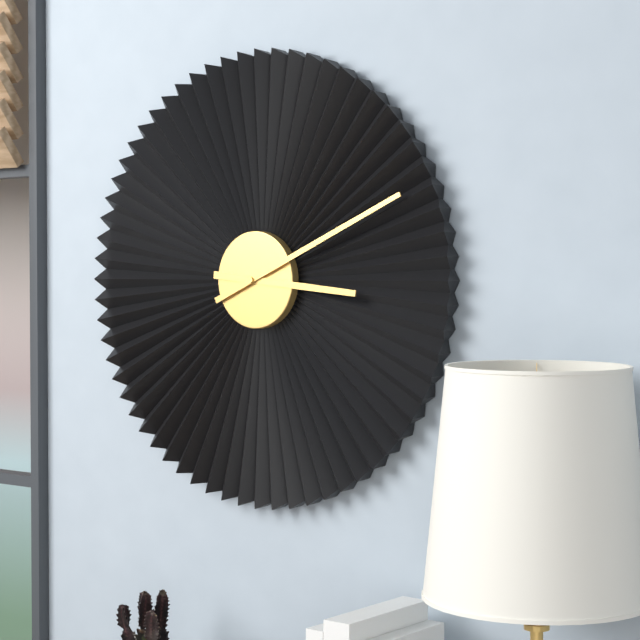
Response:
h=3 m=11
